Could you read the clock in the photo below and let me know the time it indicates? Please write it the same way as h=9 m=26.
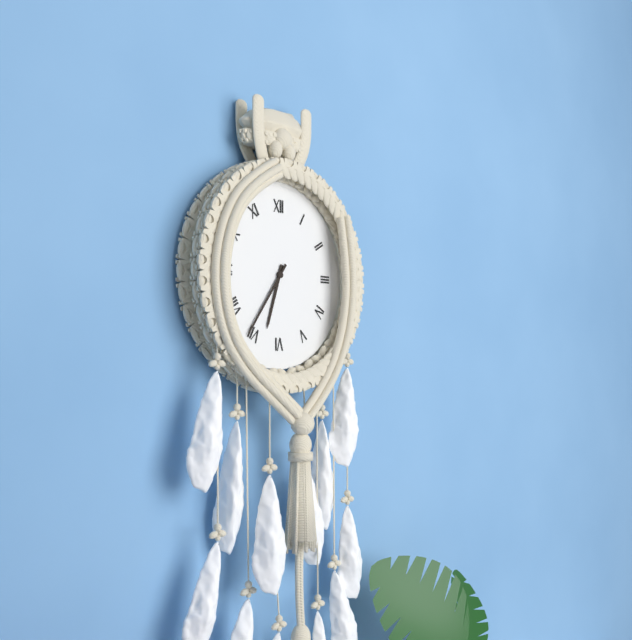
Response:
h=6 m=36
